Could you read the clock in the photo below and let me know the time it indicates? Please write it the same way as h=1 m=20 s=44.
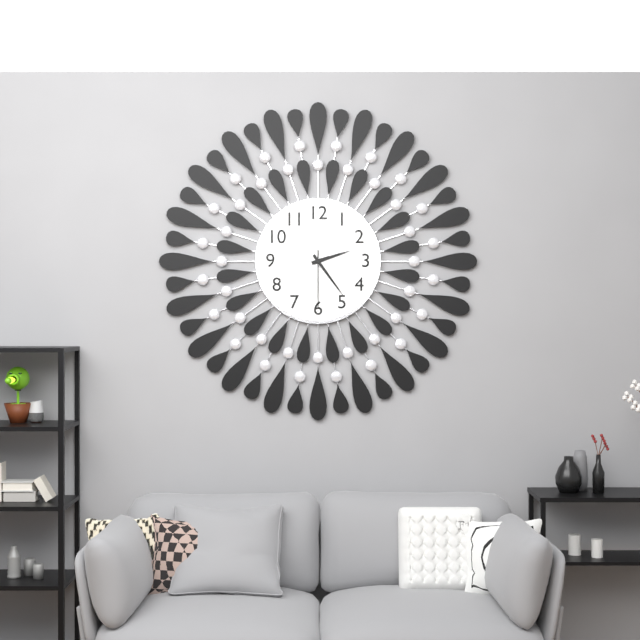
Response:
h=2 m=24 s=30
